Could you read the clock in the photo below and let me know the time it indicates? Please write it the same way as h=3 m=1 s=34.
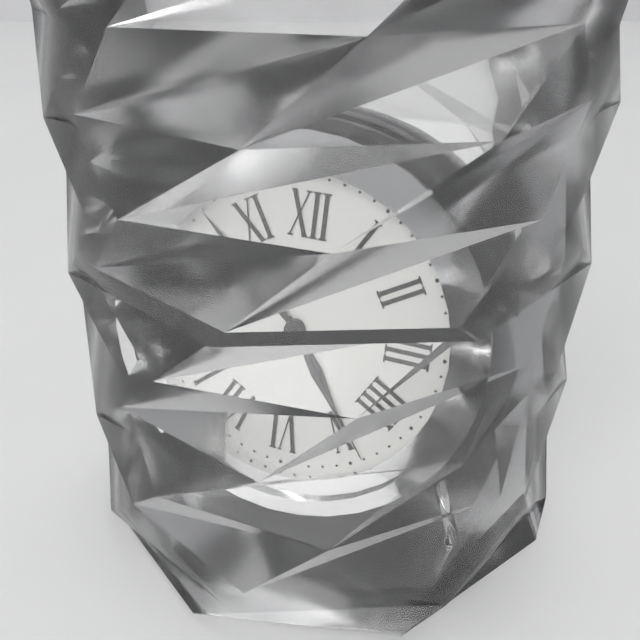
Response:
h=4 m=52 s=24
